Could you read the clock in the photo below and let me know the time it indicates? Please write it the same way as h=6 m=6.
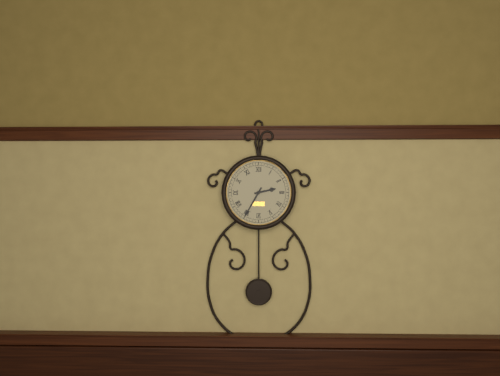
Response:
h=2 m=35
